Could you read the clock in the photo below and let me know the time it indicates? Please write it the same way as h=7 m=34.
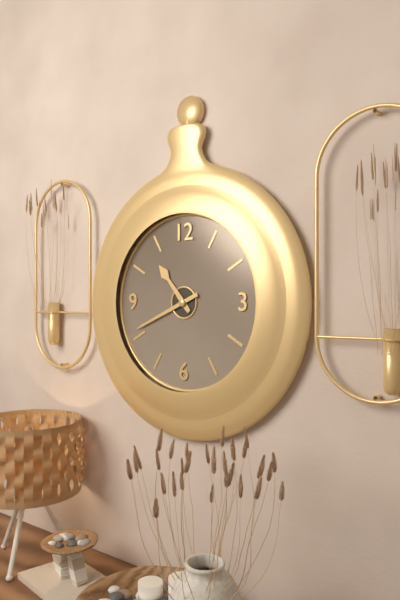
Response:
h=10 m=41
